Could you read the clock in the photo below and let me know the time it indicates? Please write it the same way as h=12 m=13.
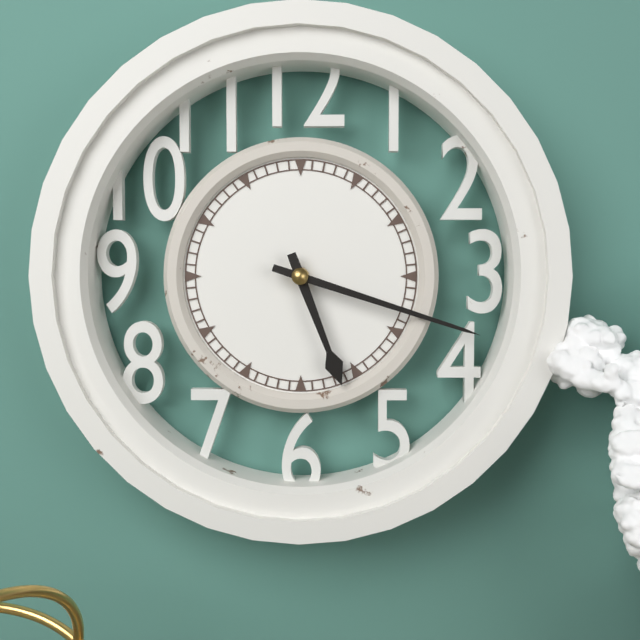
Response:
h=5 m=18
